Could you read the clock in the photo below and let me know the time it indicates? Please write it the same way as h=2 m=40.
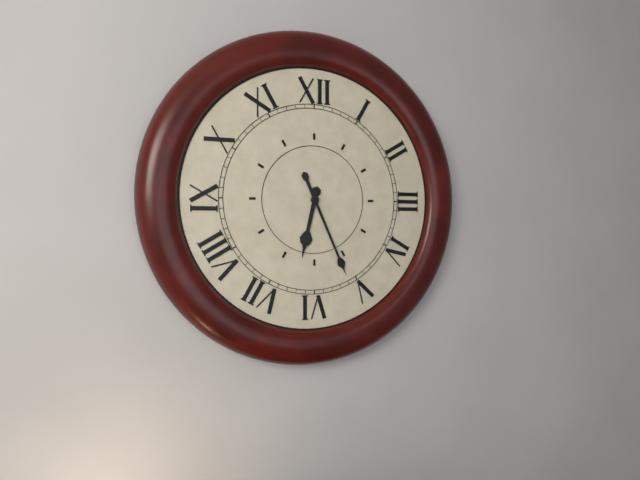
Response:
h=6 m=26
